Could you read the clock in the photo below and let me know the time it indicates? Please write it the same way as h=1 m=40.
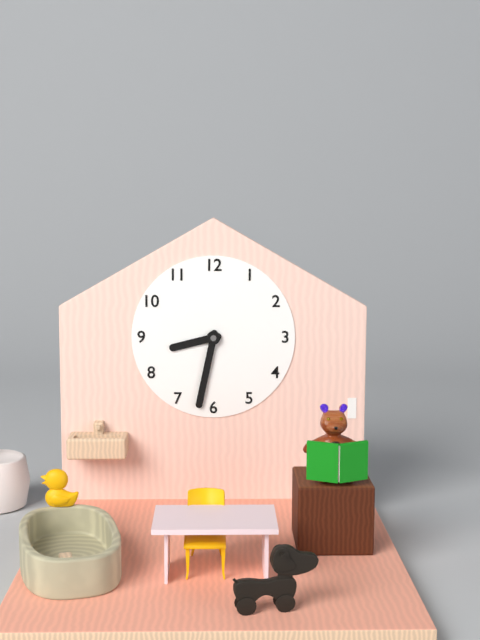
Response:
h=8 m=32
